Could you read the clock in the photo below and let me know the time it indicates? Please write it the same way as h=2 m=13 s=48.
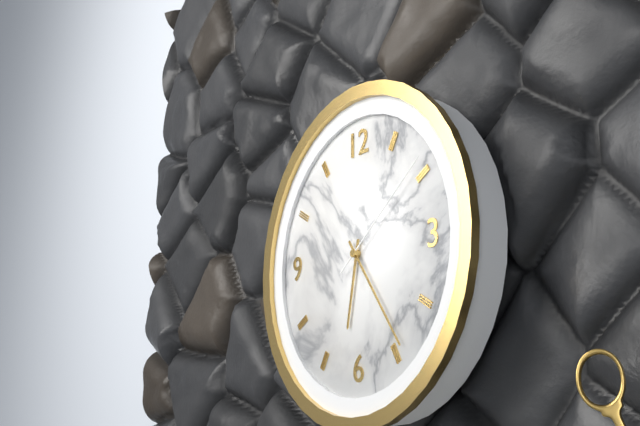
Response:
h=6 m=24 s=9
